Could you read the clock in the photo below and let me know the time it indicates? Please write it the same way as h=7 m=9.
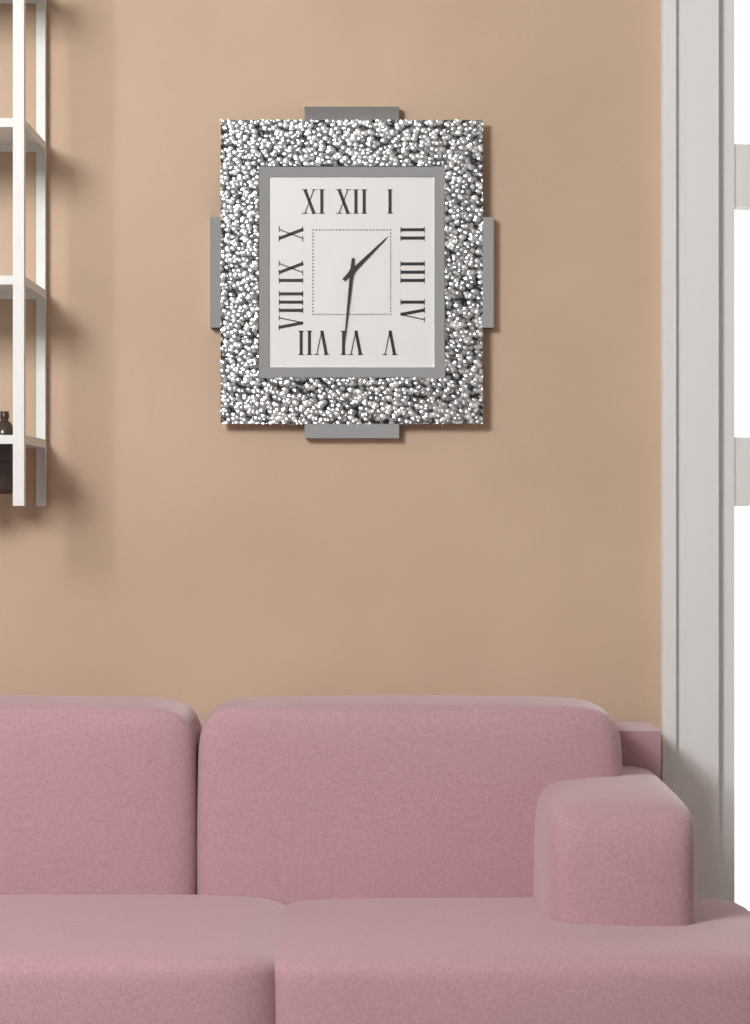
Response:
h=1 m=31
